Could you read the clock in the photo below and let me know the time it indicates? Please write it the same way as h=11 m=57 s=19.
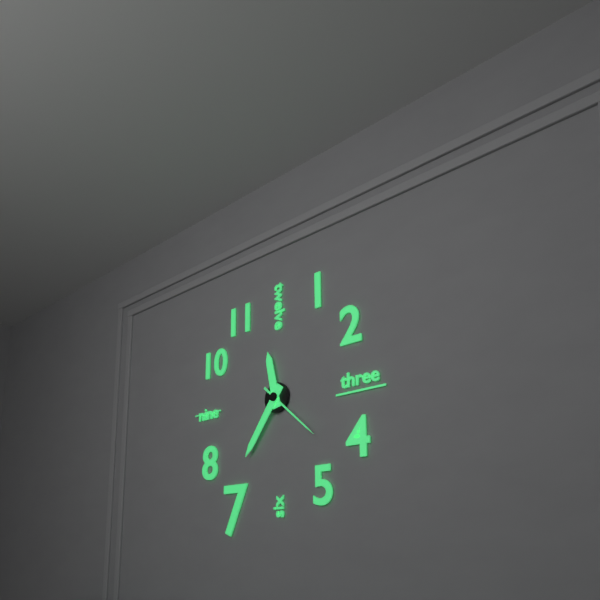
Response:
h=11 m=36 s=22
